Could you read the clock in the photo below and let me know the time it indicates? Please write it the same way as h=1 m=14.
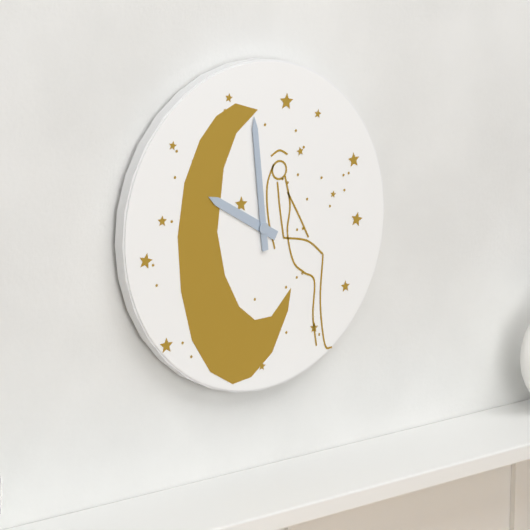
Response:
h=9 m=59
